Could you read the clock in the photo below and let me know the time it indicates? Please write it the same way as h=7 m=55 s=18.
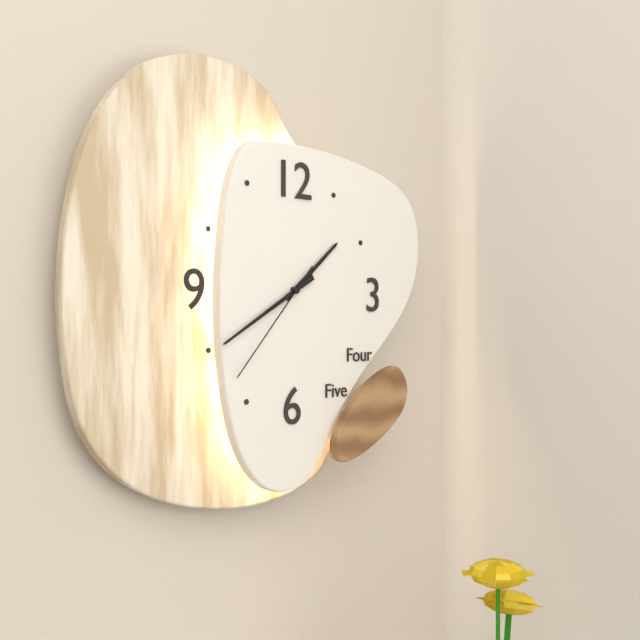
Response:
h=1 m=40 s=37
